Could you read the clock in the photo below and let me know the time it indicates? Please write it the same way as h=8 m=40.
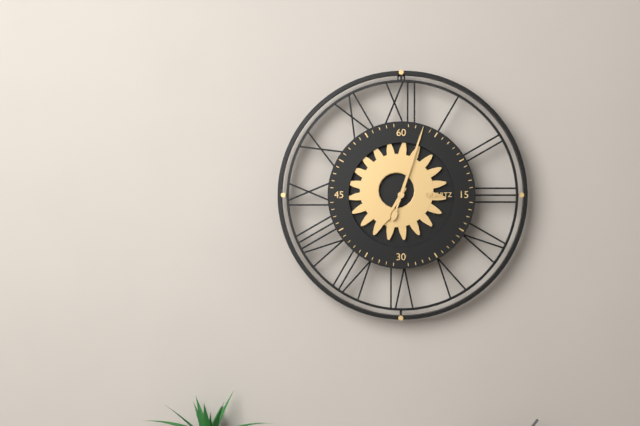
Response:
h=7 m=3
